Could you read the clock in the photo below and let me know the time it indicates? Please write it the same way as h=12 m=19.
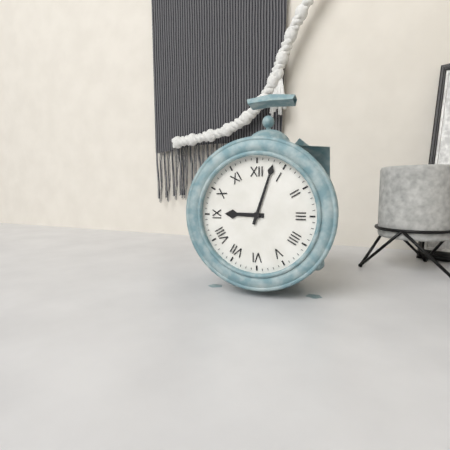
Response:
h=9 m=3
